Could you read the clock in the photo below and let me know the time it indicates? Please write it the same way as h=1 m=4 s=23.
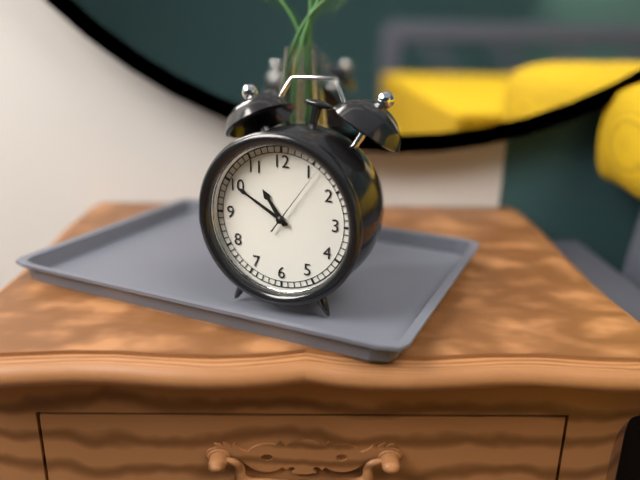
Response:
h=10 m=50 s=6
